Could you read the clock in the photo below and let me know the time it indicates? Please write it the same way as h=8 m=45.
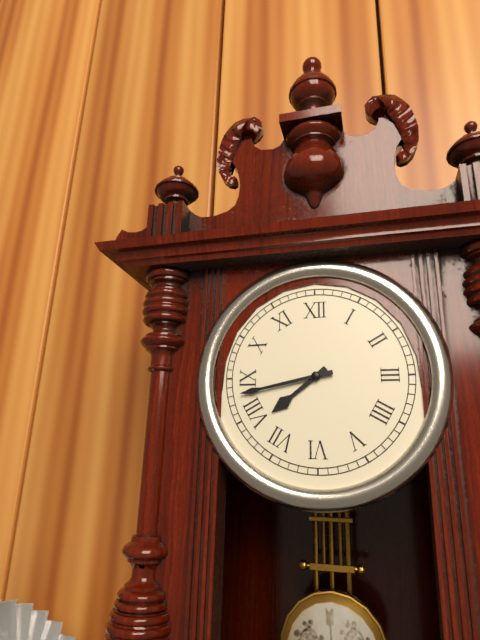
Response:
h=7 m=43
